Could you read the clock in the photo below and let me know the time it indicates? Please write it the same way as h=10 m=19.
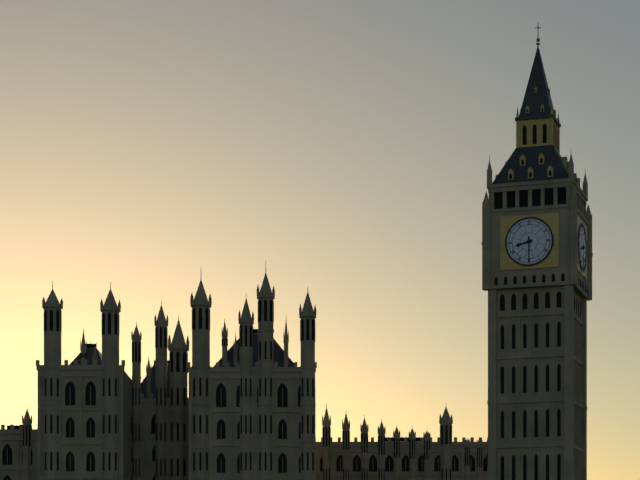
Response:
h=8 m=30
